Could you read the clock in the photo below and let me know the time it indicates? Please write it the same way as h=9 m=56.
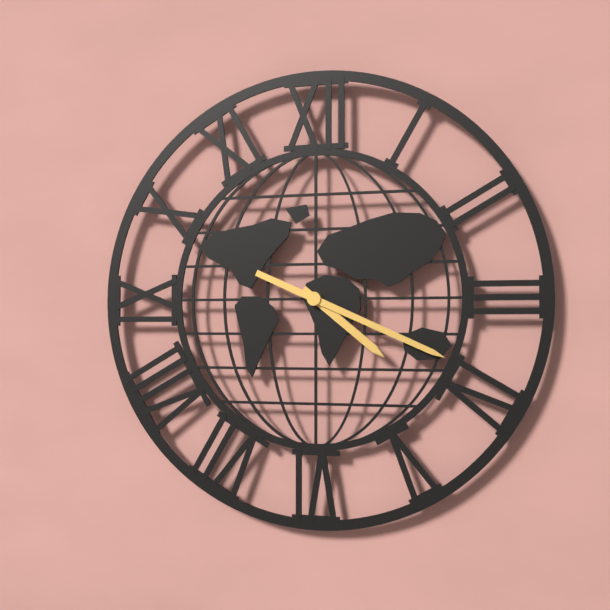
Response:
h=4 m=19
